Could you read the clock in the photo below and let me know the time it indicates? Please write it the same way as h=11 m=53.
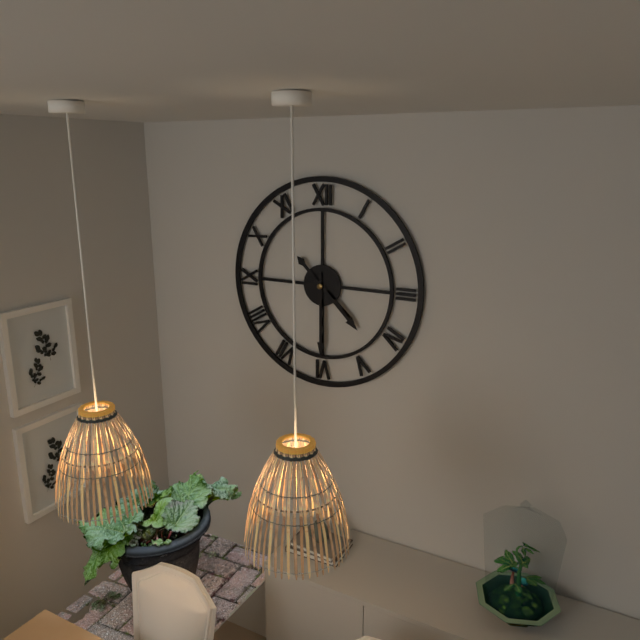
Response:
h=4 m=30
